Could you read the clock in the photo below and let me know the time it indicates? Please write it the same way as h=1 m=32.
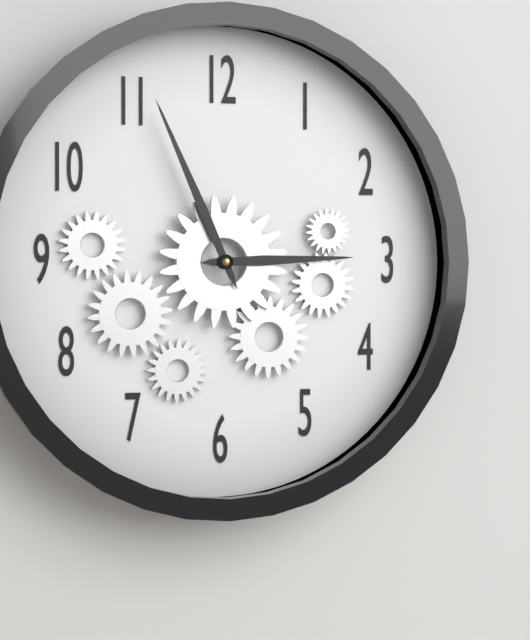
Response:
h=2 m=56
